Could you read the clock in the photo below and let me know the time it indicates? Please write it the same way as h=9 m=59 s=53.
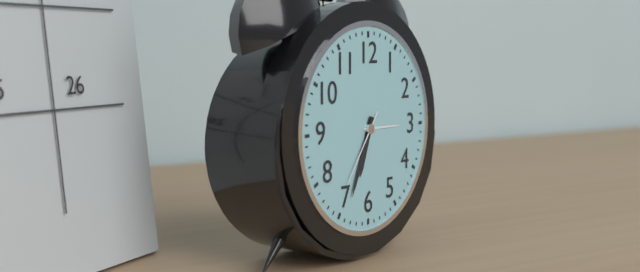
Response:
h=6 m=34 s=36
